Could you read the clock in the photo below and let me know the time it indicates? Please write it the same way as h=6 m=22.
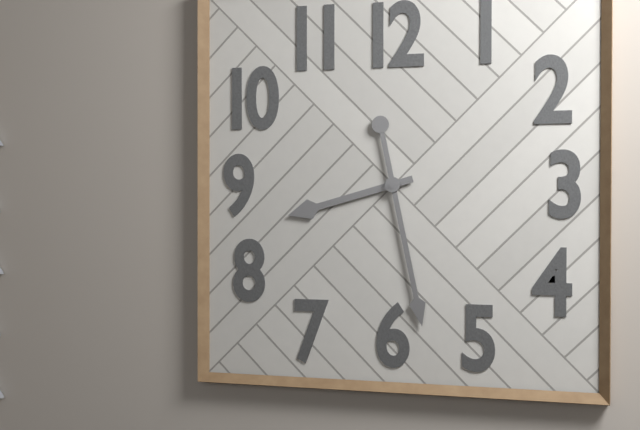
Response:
h=8 m=28
